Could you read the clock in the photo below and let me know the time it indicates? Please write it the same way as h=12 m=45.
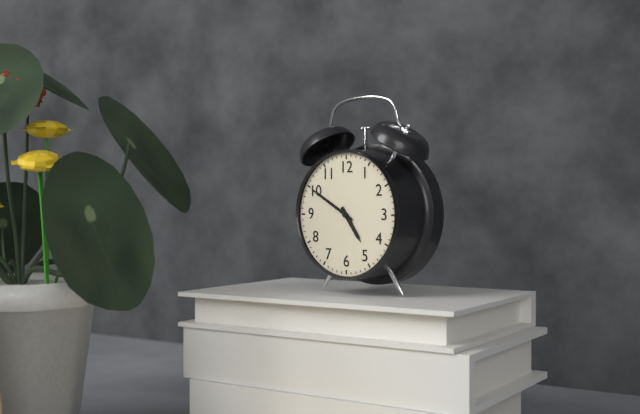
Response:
h=4 m=50
